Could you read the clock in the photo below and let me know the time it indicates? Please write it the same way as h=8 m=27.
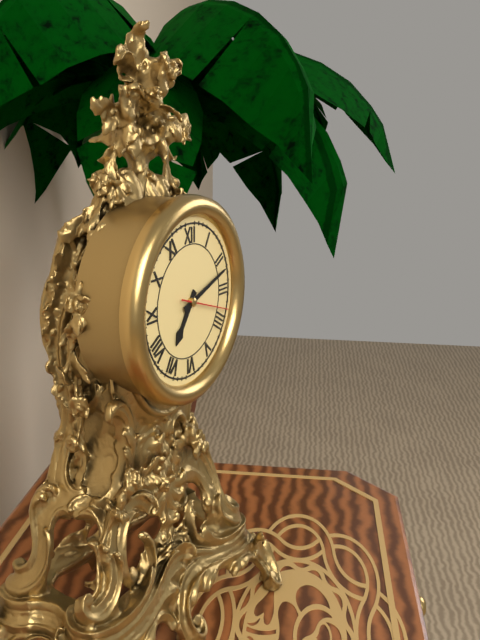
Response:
h=7 m=12
